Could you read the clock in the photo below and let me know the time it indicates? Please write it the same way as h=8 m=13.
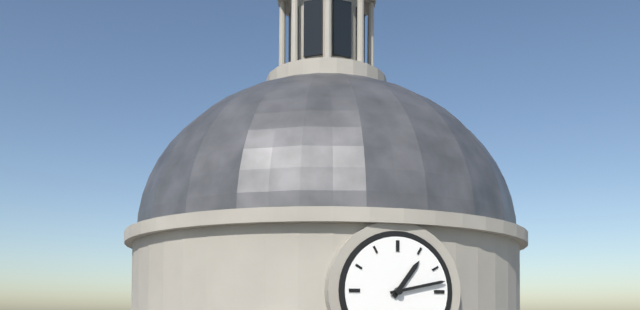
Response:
h=1 m=13
